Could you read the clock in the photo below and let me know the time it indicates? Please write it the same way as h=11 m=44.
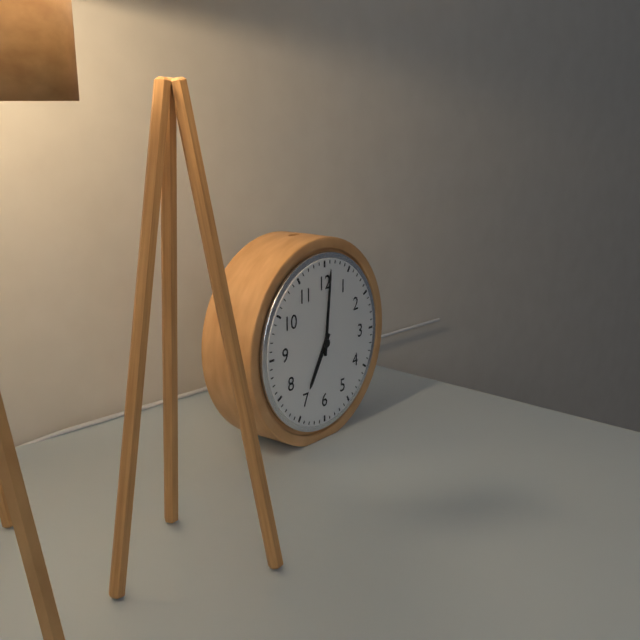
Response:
h=7 m=1
